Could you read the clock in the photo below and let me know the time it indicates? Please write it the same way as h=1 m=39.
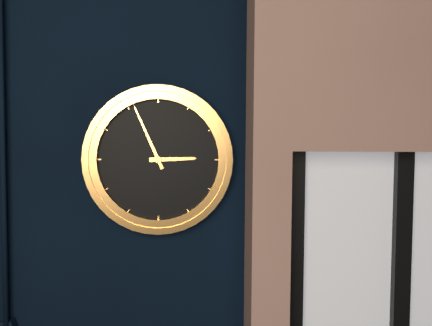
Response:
h=2 m=56
